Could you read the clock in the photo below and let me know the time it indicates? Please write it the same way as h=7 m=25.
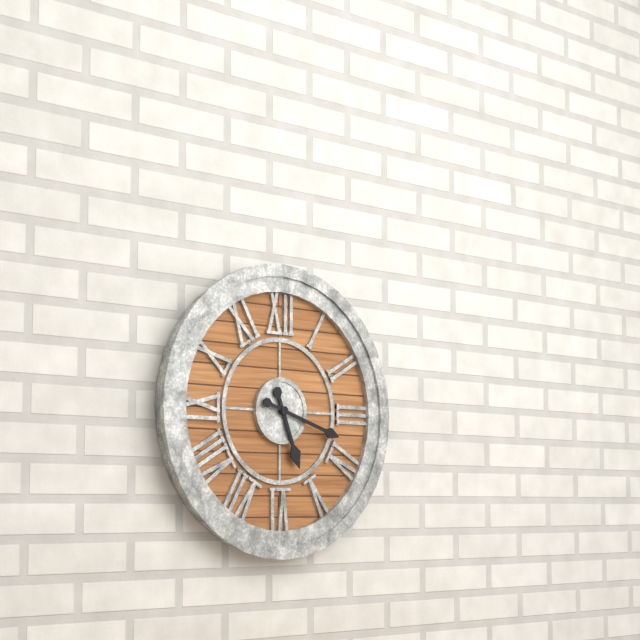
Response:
h=5 m=18
